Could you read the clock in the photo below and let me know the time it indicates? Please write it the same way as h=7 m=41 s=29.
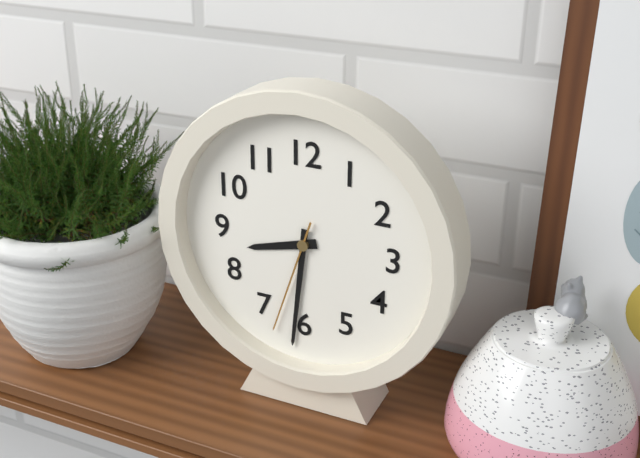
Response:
h=8 m=31 s=33
